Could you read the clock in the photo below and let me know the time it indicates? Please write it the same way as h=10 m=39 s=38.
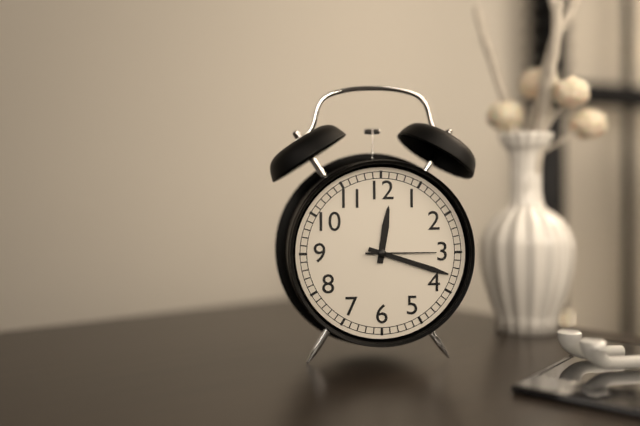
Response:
h=12 m=18 s=15
